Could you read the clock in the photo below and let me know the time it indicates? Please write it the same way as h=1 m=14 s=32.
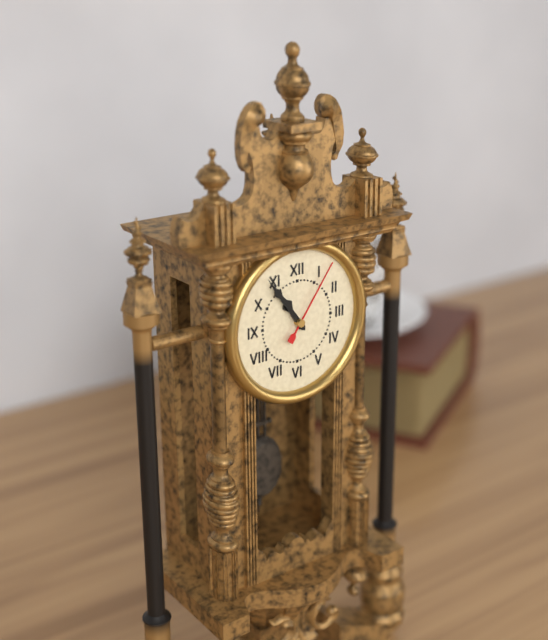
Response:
h=10 m=54 s=6
